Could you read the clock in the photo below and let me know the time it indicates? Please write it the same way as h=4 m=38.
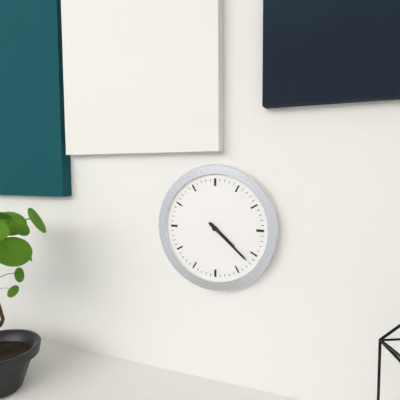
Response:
h=4 m=22
